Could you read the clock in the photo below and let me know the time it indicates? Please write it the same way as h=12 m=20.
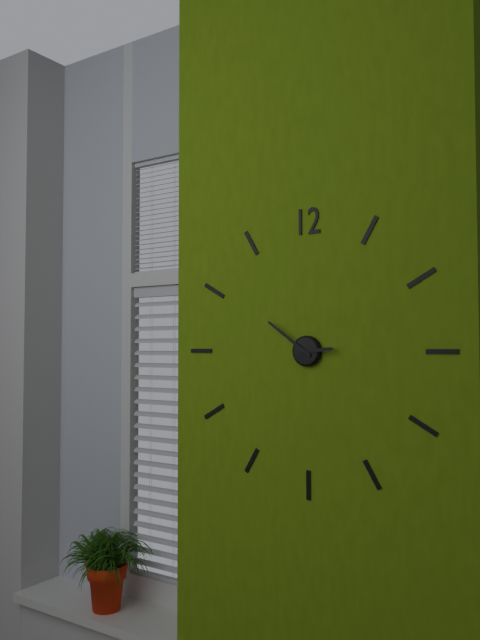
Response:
h=2 m=51
